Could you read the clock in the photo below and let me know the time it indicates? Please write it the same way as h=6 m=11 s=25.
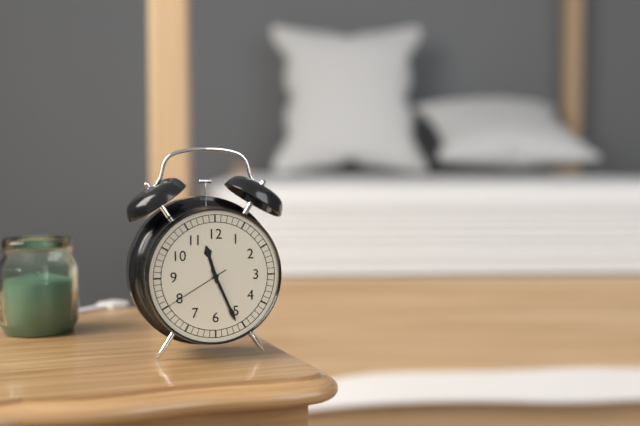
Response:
h=11 m=26 s=40
